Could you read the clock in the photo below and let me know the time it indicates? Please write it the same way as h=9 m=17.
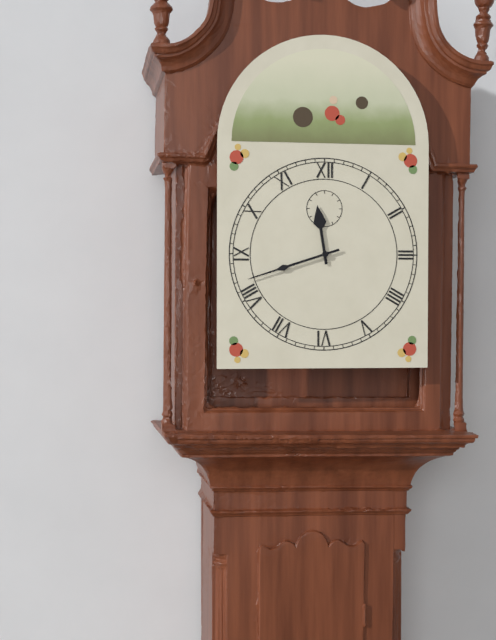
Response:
h=11 m=42
